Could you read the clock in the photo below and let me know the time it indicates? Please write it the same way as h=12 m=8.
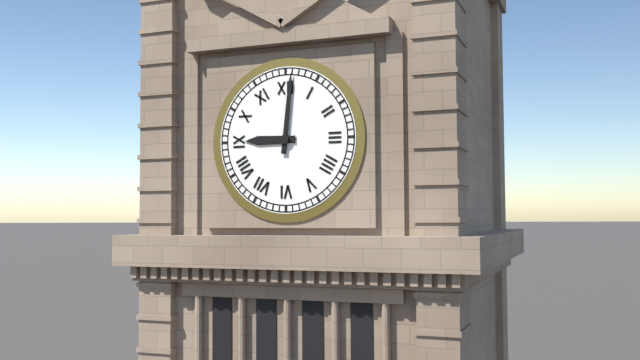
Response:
h=9 m=1
